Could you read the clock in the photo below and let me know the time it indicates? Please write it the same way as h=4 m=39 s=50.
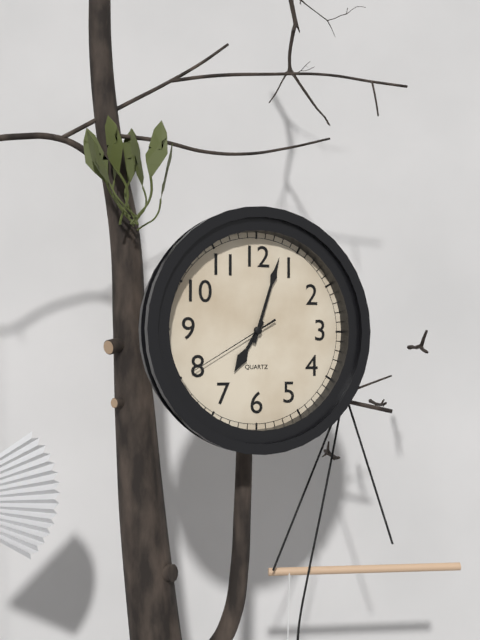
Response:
h=7 m=3 s=40
